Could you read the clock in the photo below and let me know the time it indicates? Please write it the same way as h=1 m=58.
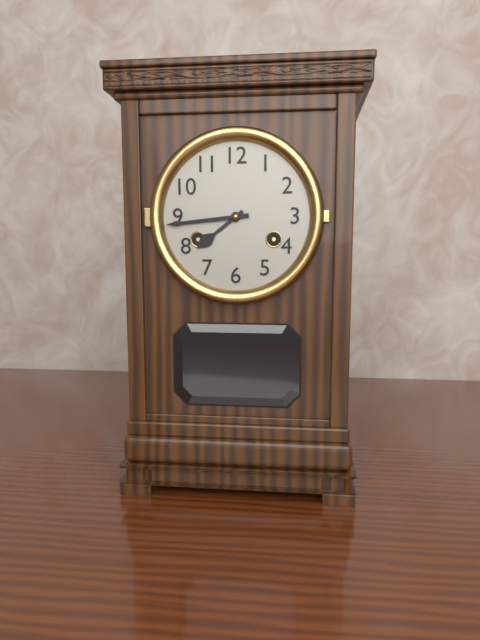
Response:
h=7 m=44
